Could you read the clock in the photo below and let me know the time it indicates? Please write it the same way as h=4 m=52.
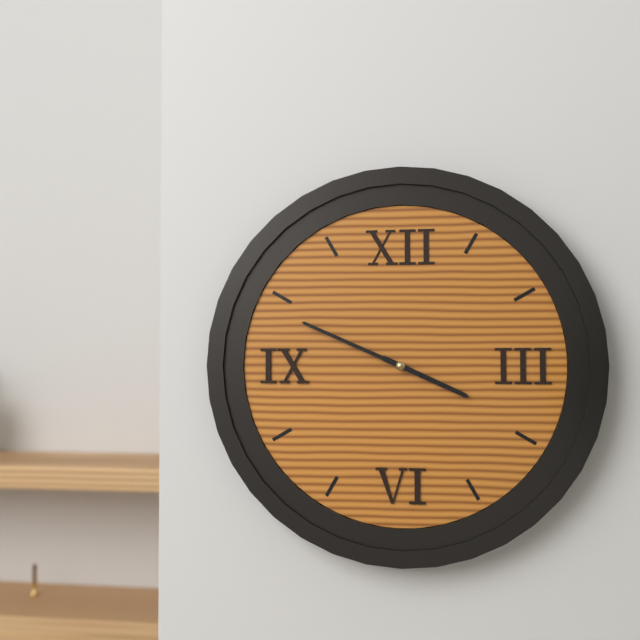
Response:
h=3 m=49
